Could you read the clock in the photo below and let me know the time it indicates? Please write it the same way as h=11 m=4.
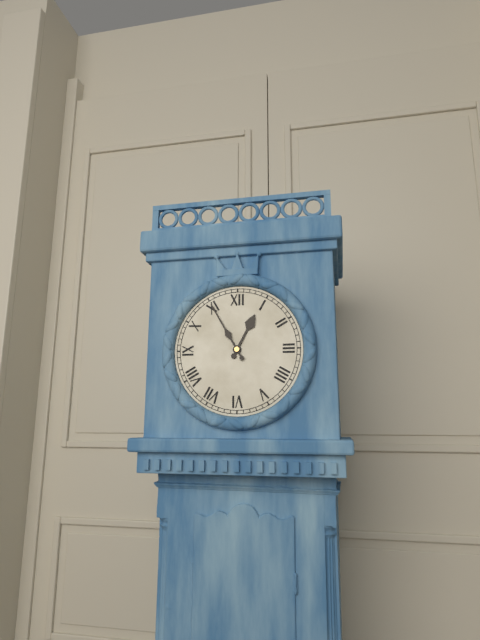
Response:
h=12 m=55
